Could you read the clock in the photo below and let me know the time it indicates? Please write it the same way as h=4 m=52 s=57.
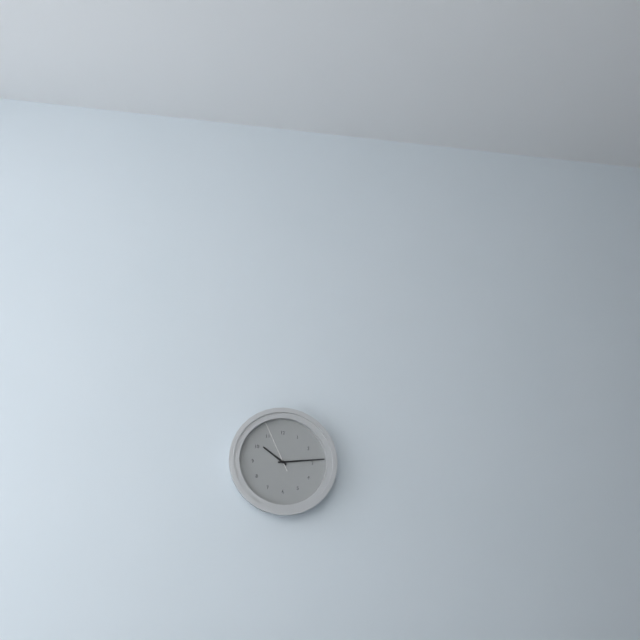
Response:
h=10 m=14 s=56
